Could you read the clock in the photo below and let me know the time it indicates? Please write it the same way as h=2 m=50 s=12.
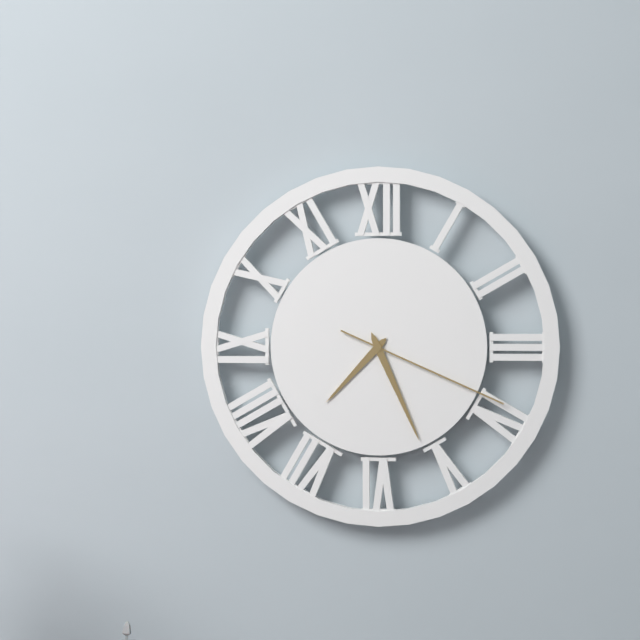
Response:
h=7 m=26 s=19
